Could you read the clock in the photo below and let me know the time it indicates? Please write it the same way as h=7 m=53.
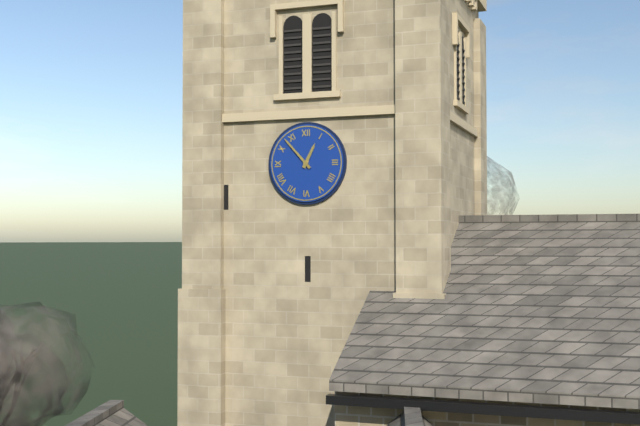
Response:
h=12 m=53
